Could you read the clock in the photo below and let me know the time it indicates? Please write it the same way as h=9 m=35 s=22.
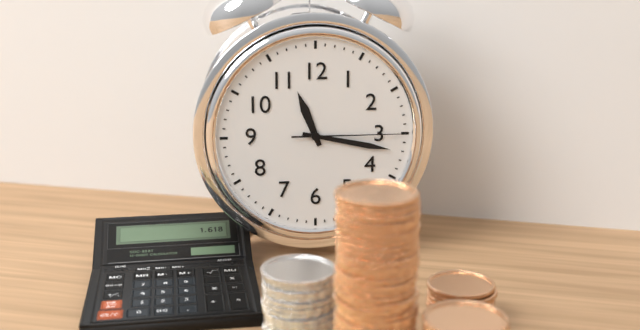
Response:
h=11 m=17 s=15
